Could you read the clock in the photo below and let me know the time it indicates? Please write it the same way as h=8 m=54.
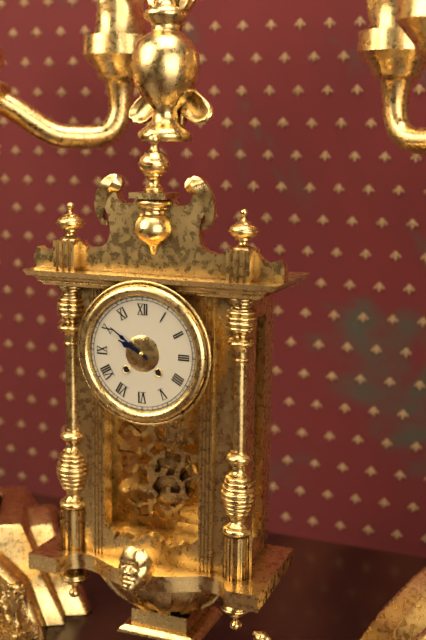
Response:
h=9 m=51
